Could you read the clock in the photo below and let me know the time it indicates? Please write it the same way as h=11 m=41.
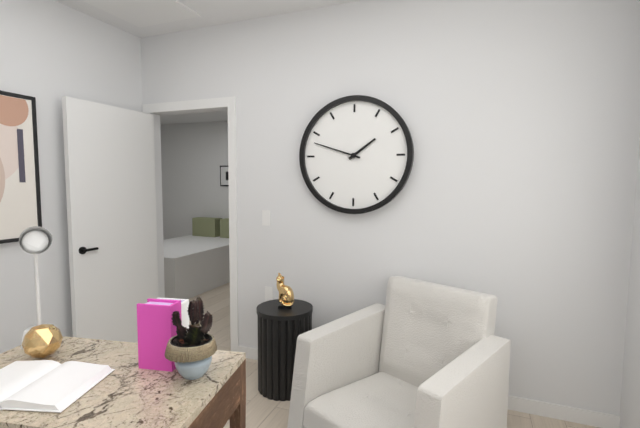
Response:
h=1 m=48
